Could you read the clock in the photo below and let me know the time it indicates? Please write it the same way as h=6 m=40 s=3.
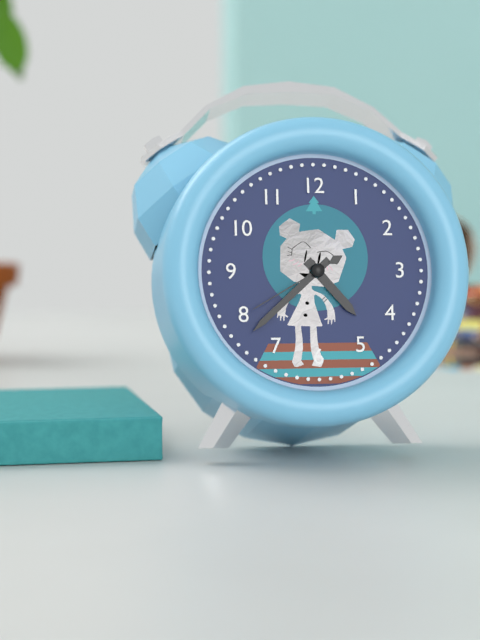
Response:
h=4 m=38 s=40
